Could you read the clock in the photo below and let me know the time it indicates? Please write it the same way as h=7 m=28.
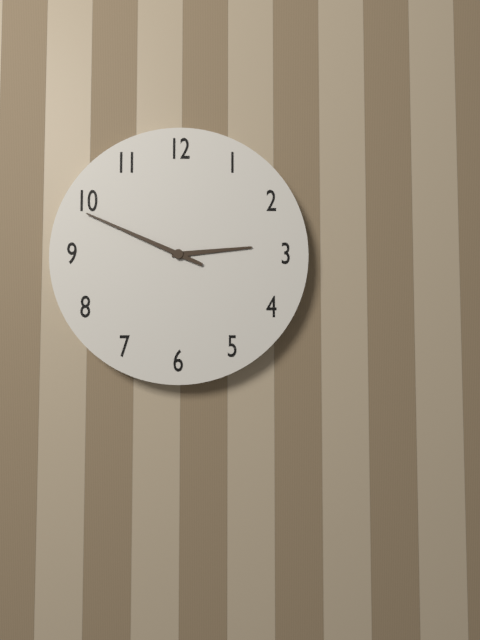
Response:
h=2 m=49
